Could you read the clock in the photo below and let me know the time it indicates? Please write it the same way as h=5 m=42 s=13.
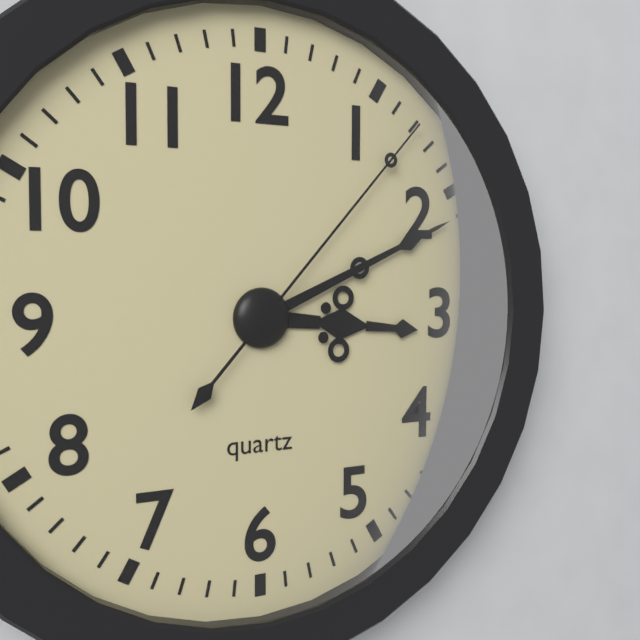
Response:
h=3 m=11 s=7
